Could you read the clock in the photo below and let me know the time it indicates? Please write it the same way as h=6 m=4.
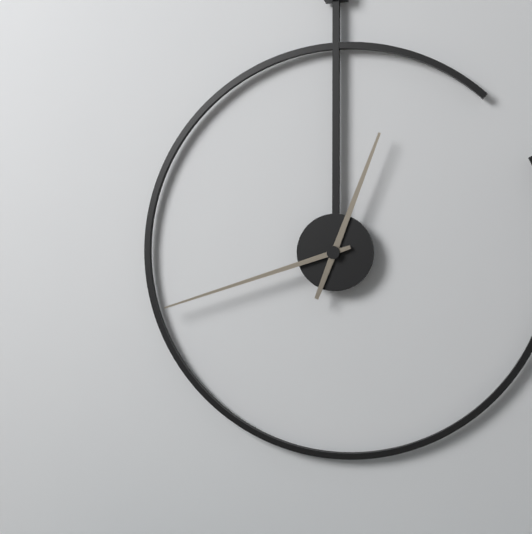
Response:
h=12 m=42
